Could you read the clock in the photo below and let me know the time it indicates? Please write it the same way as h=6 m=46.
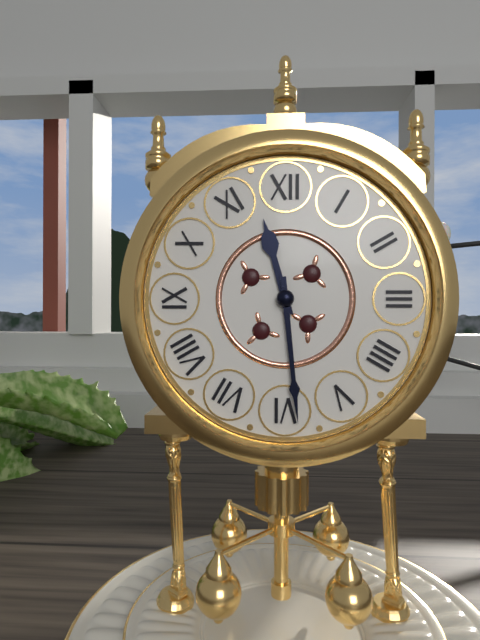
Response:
h=11 m=29
